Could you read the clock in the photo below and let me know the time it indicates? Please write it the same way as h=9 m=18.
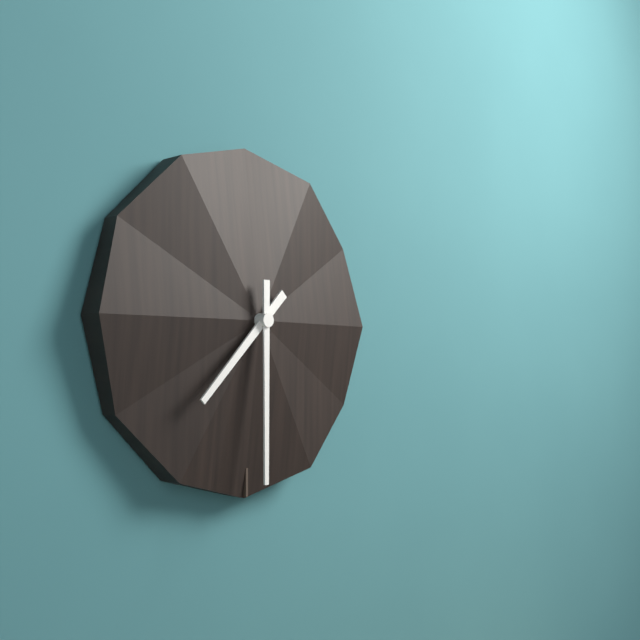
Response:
h=7 m=30
